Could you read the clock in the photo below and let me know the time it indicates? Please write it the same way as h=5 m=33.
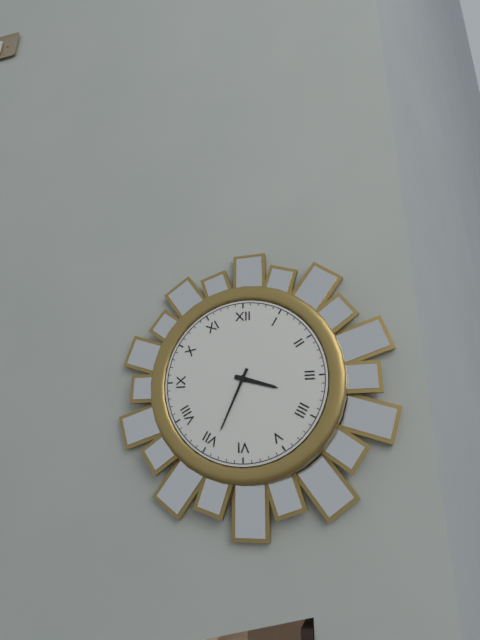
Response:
h=3 m=34
